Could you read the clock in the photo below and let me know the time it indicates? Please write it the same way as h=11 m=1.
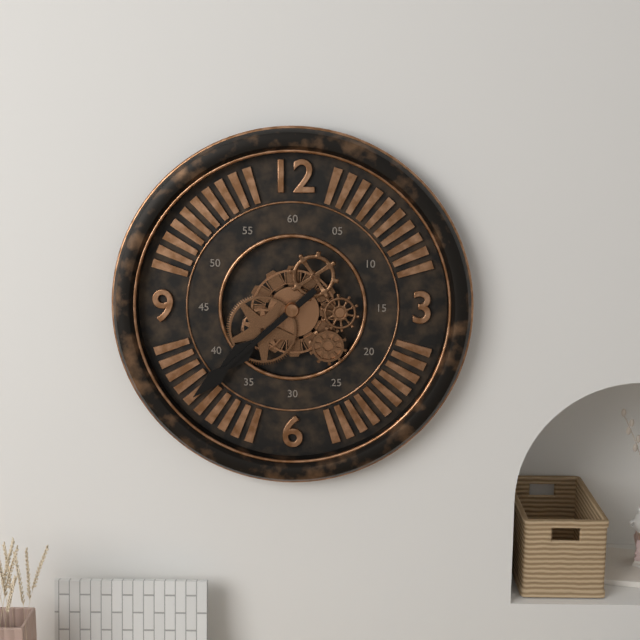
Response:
h=7 m=38
